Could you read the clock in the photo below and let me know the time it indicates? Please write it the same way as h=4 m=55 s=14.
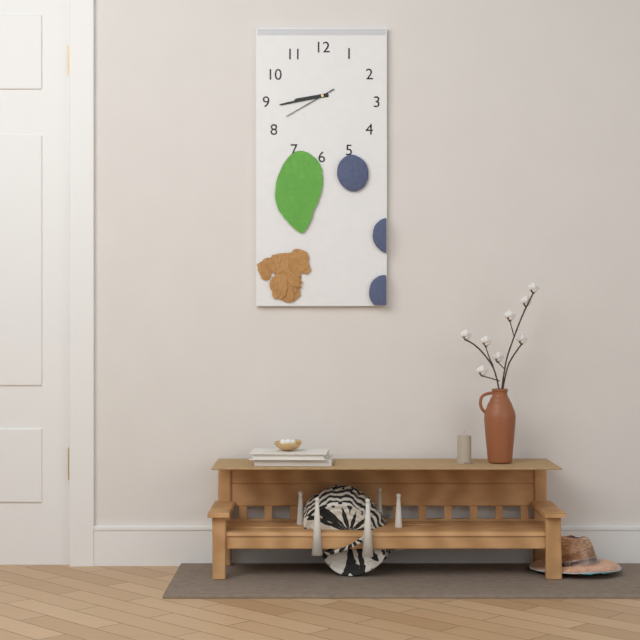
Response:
h=8 m=43 s=40
